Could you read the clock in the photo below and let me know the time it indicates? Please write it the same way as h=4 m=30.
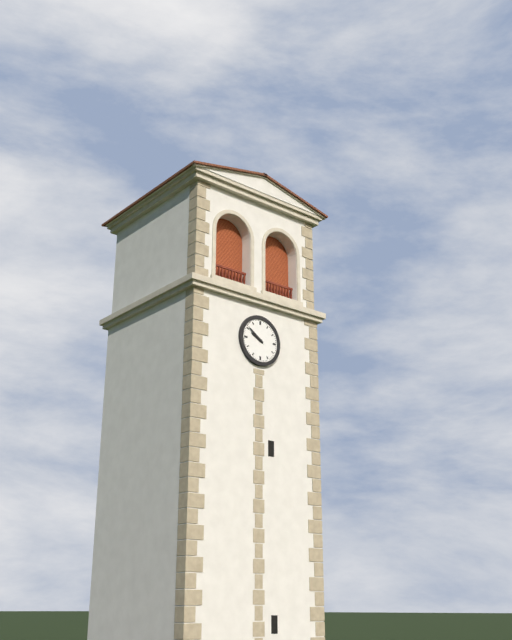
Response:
h=9 m=51
